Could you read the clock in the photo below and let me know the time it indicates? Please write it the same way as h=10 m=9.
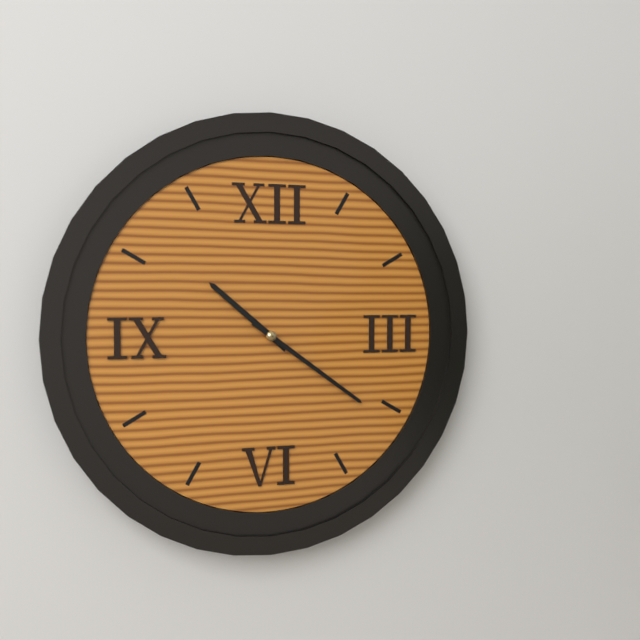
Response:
h=10 m=21
